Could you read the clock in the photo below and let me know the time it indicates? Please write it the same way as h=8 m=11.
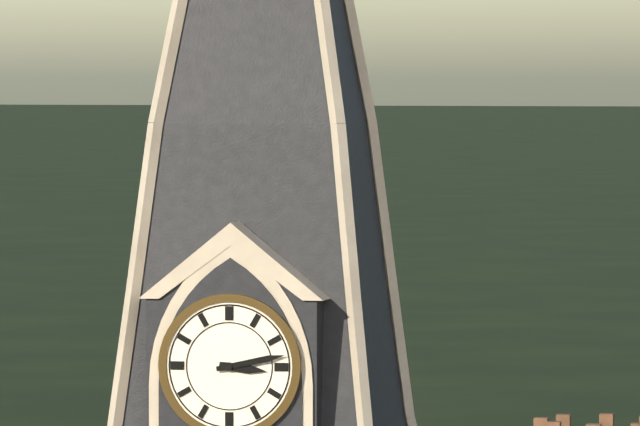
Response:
h=3 m=13
